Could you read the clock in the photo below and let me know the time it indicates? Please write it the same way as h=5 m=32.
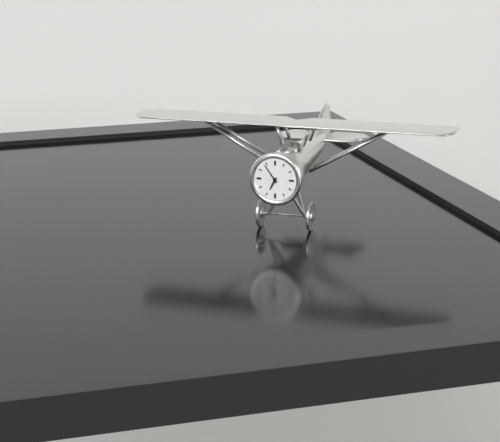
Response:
h=6 m=54
